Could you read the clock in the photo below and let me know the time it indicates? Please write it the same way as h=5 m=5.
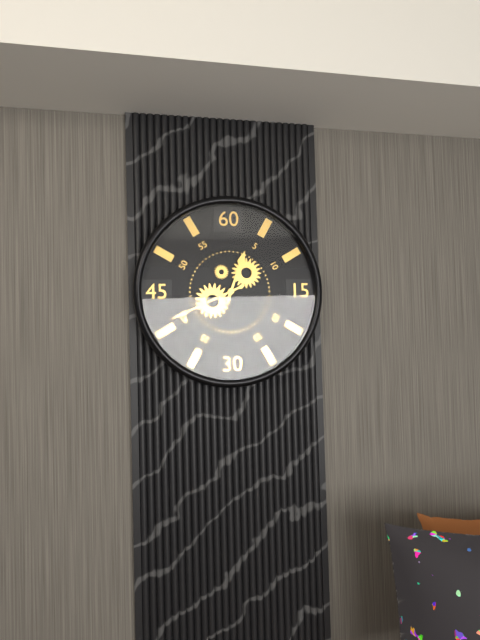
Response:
h=12 m=41
